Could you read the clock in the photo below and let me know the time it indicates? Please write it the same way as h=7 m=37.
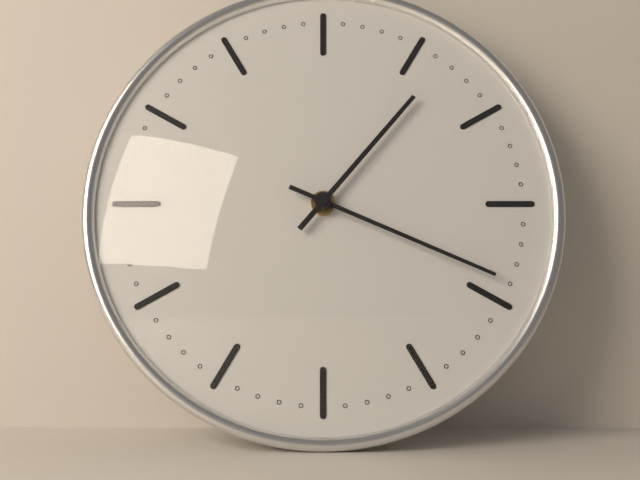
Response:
h=1 m=19
